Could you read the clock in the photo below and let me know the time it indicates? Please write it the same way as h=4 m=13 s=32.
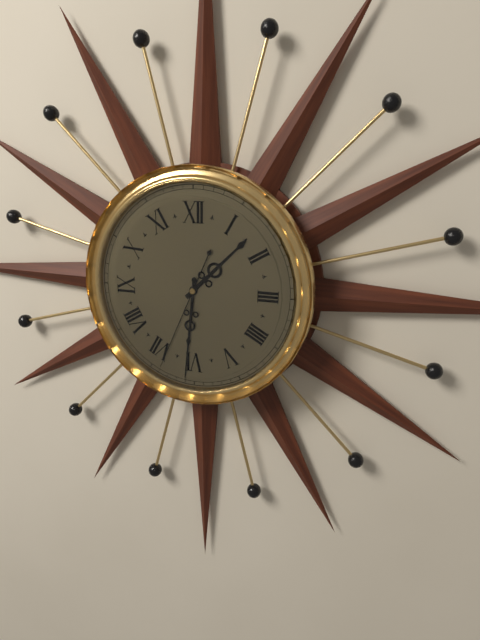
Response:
h=1 m=31 s=34
